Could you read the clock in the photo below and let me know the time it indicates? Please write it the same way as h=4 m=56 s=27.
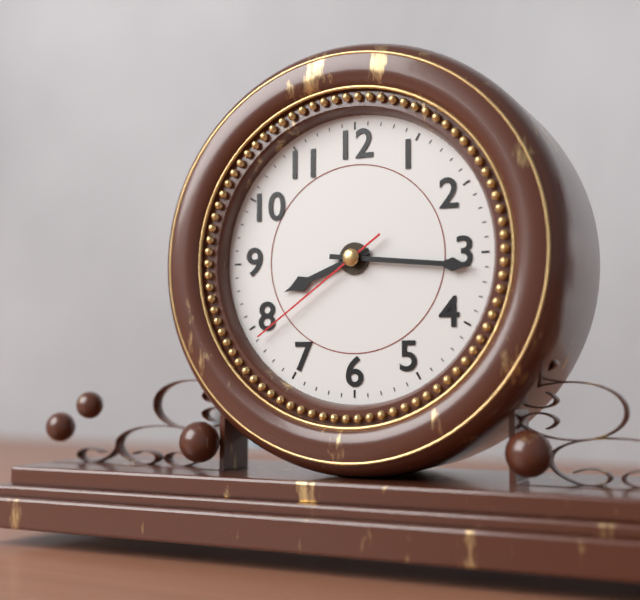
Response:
h=8 m=16 s=39
